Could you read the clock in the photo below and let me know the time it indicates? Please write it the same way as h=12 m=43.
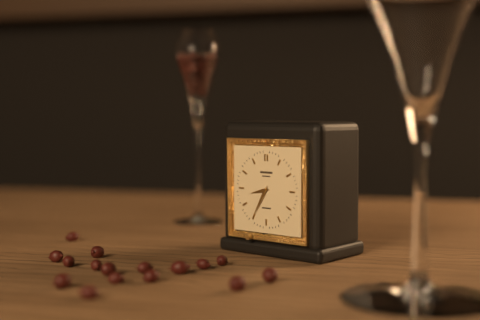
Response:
h=8 m=35
